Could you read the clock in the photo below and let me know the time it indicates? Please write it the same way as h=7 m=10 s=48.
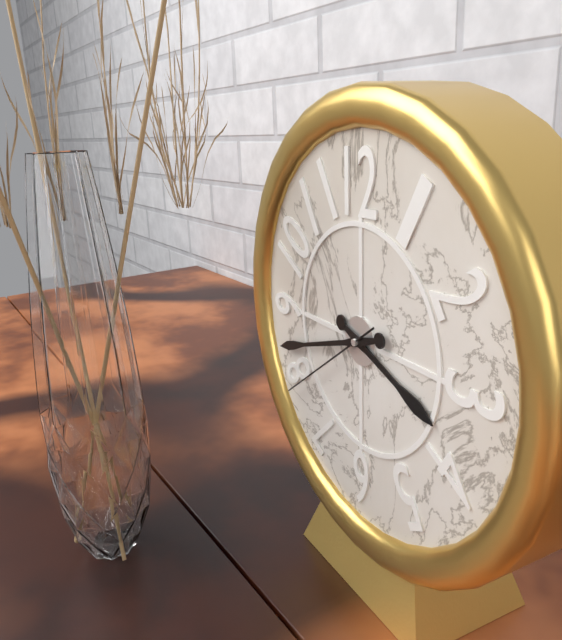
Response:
h=3 m=42 s=39
